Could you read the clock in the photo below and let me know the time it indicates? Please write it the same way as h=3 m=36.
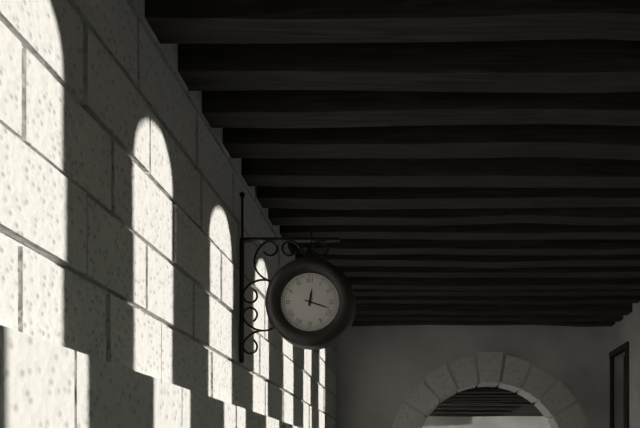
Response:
h=12 m=18
